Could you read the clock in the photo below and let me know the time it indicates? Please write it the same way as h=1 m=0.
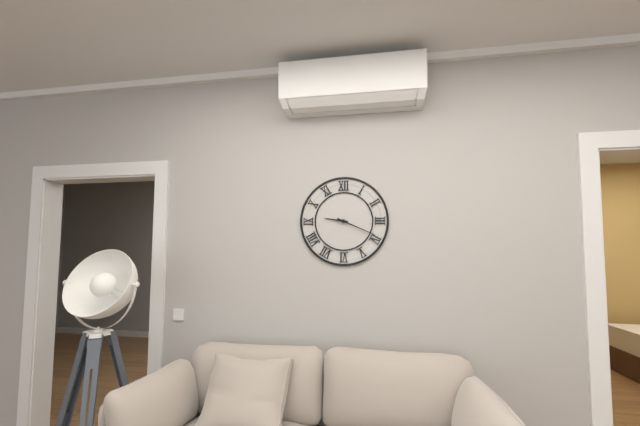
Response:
h=9 m=19
